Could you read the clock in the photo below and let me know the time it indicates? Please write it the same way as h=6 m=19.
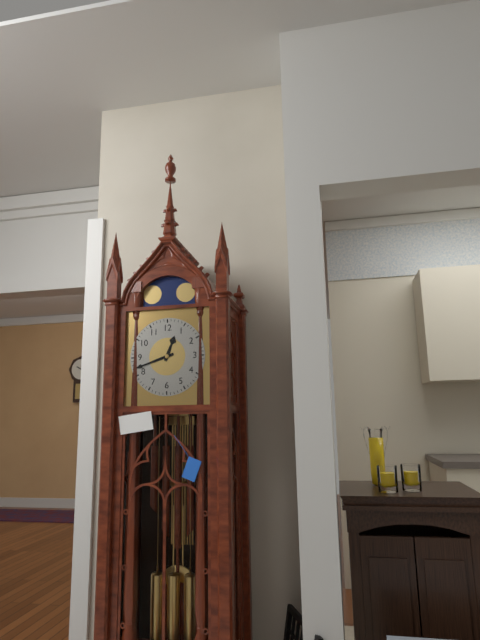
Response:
h=12 m=42
